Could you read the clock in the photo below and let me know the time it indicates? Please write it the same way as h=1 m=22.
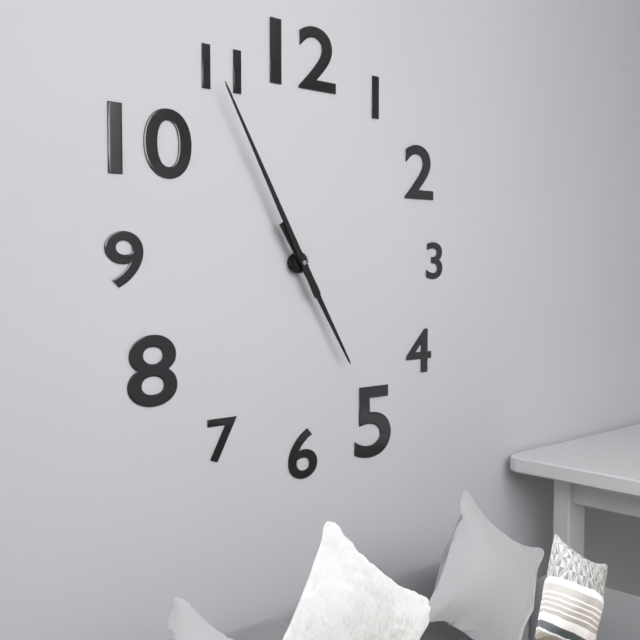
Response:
h=4 m=55
